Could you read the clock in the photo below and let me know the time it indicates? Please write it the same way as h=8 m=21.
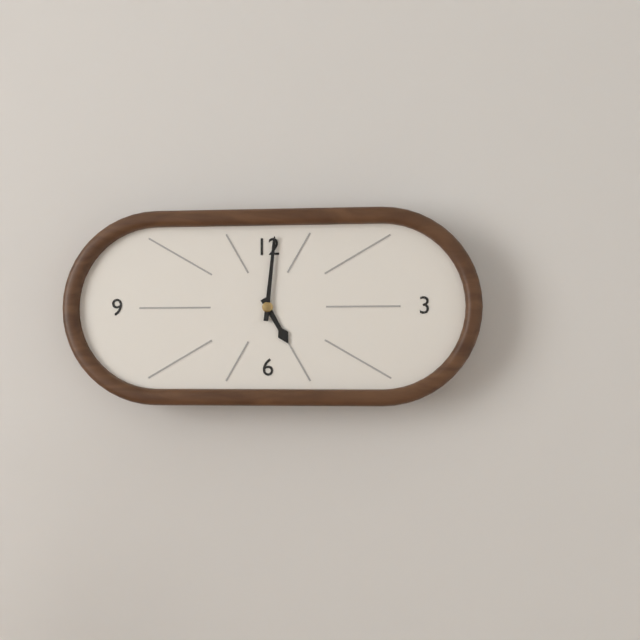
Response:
h=5 m=1
